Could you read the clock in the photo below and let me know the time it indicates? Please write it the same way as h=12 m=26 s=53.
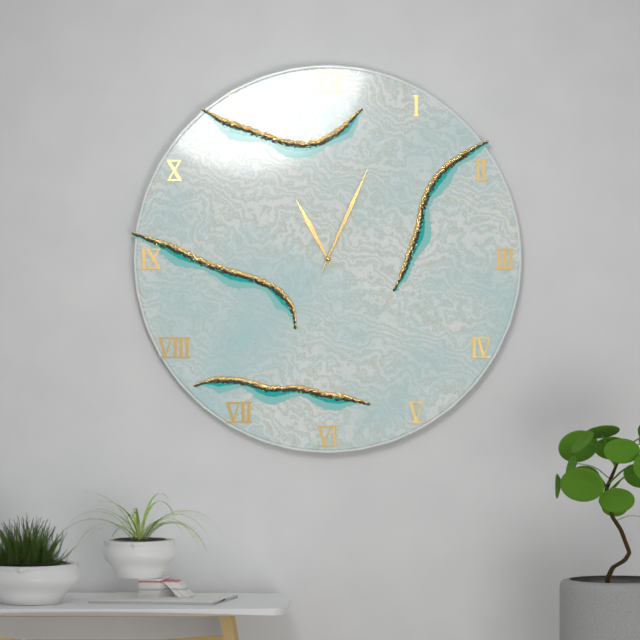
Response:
h=11 m=4 s=4
